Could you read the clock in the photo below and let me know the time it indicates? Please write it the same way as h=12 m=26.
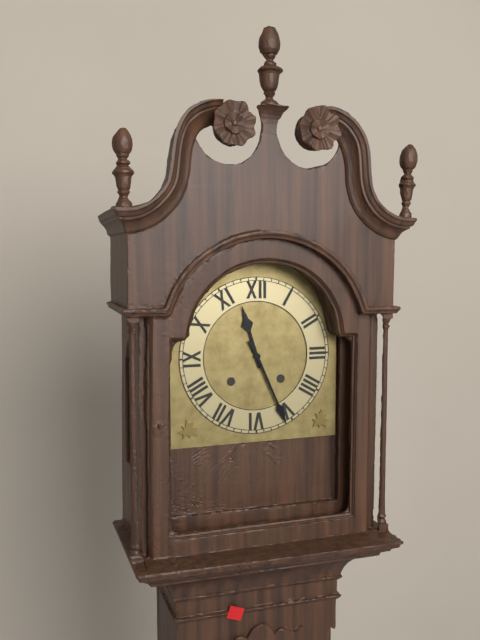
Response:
h=11 m=26
